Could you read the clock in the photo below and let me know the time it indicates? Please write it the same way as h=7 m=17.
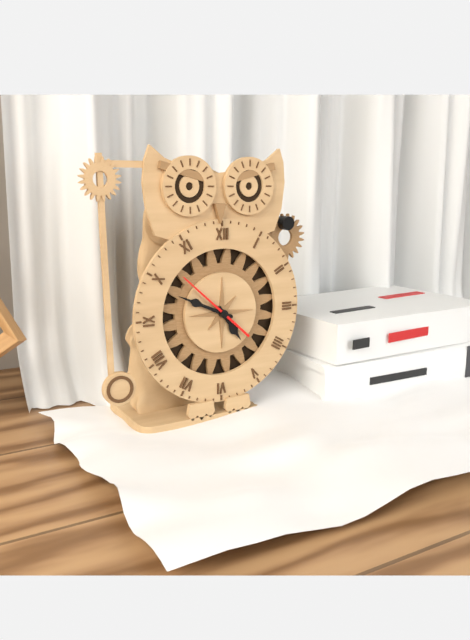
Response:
h=4 m=49
